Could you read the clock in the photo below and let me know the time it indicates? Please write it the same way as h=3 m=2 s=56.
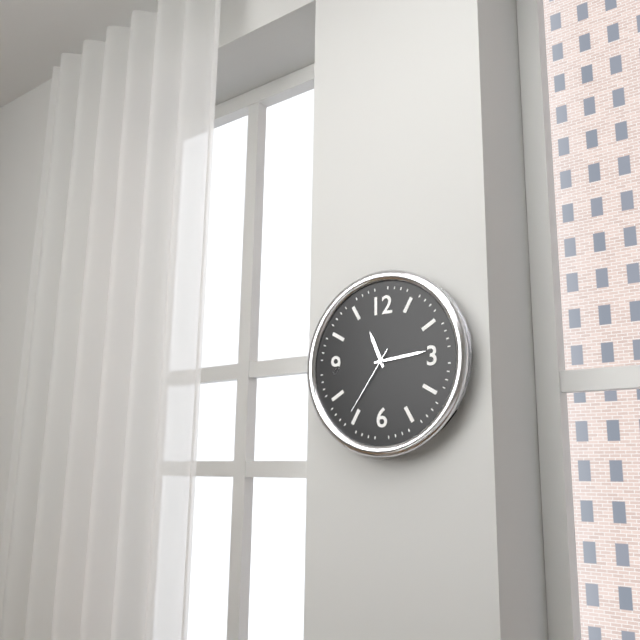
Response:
h=11 m=14 s=36
